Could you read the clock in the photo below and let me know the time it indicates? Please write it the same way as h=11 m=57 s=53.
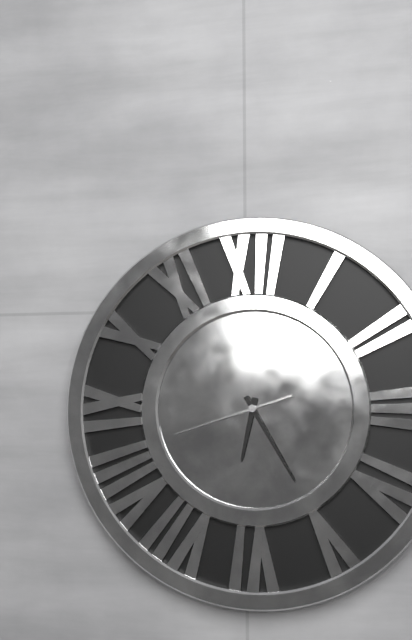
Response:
h=6 m=25 s=42
